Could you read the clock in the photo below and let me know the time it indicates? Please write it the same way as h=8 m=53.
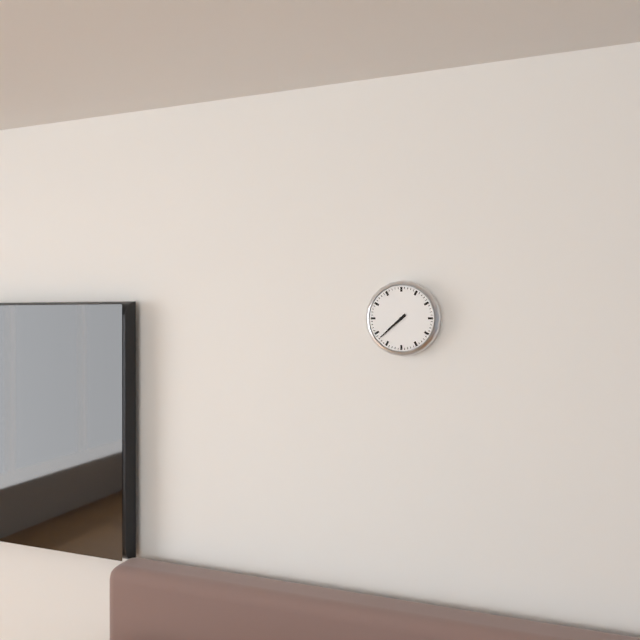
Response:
h=7 m=38
